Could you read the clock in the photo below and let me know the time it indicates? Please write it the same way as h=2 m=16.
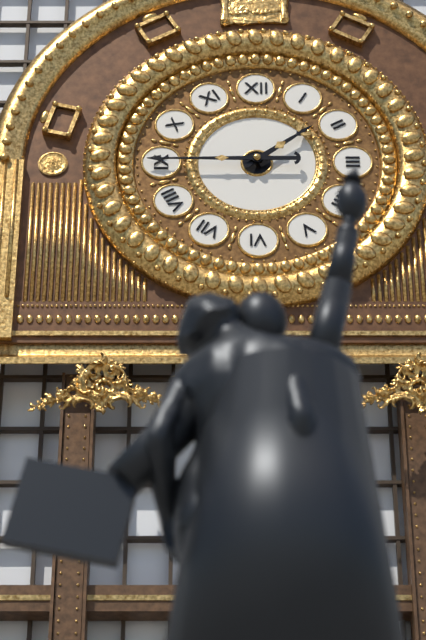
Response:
h=1 m=45
